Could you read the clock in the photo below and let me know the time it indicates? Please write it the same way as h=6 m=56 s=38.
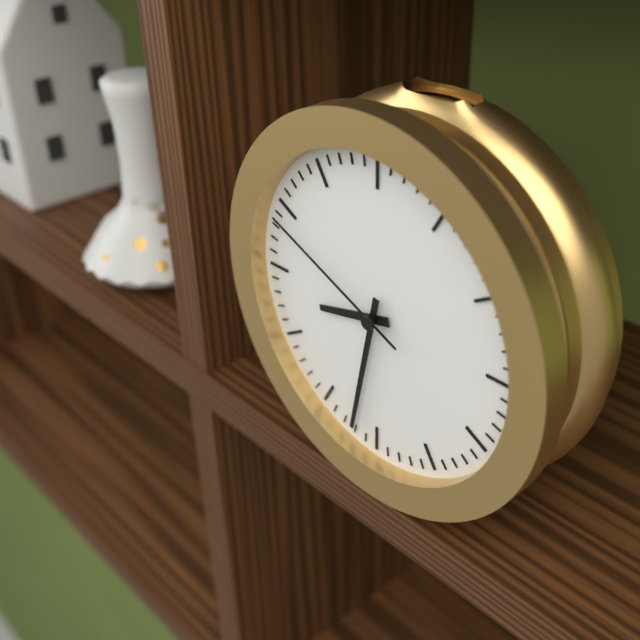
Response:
h=8 m=32 s=49
